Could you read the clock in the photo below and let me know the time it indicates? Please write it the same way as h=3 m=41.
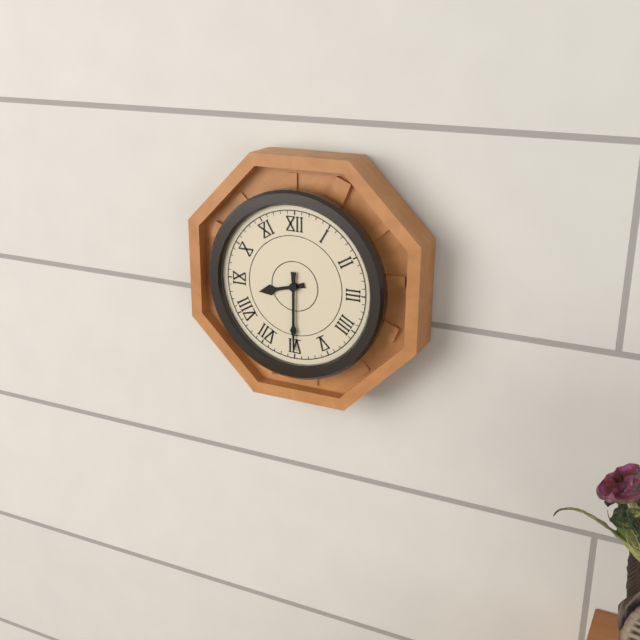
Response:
h=8 m=30
